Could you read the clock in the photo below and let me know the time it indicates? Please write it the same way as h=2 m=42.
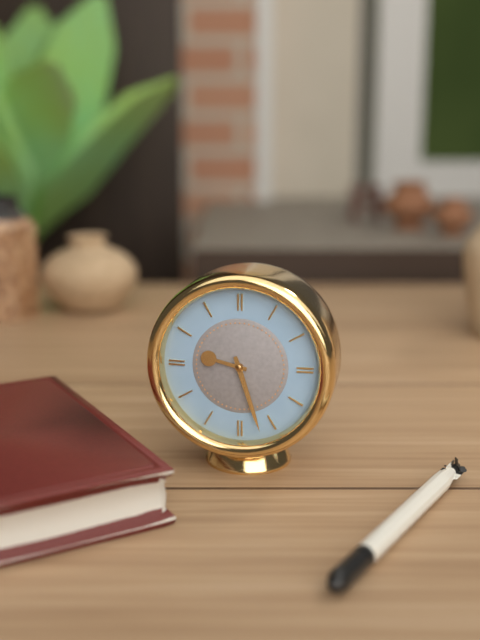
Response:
h=9 m=27
